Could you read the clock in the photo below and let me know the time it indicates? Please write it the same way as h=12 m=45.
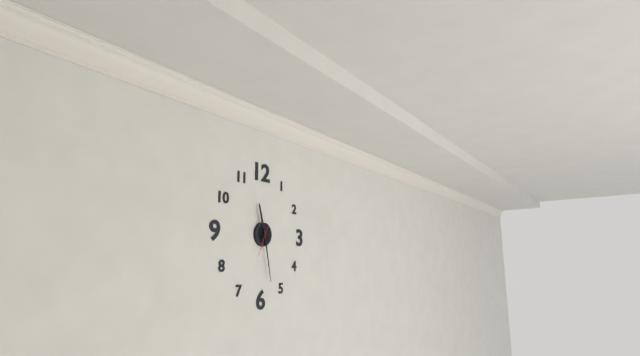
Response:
h=11 m=28
